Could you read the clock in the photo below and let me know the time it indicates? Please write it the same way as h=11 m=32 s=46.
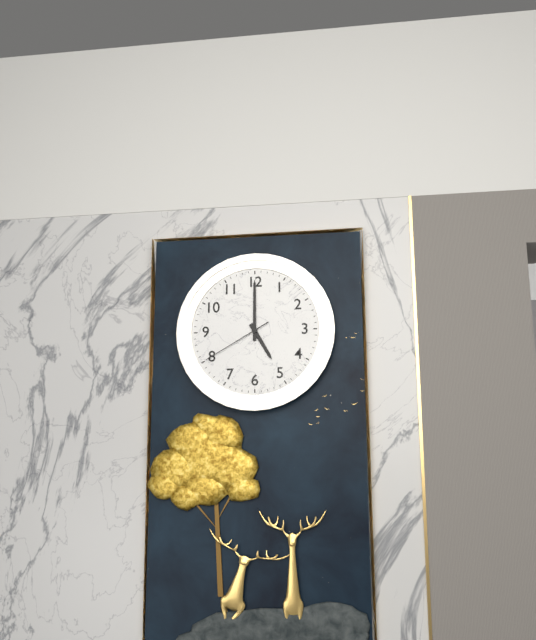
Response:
h=5 m=0 s=40
